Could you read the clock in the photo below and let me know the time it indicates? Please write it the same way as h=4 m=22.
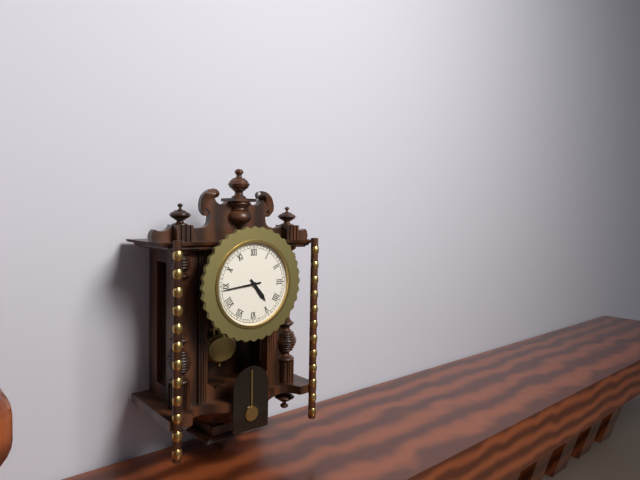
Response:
h=4 m=44
